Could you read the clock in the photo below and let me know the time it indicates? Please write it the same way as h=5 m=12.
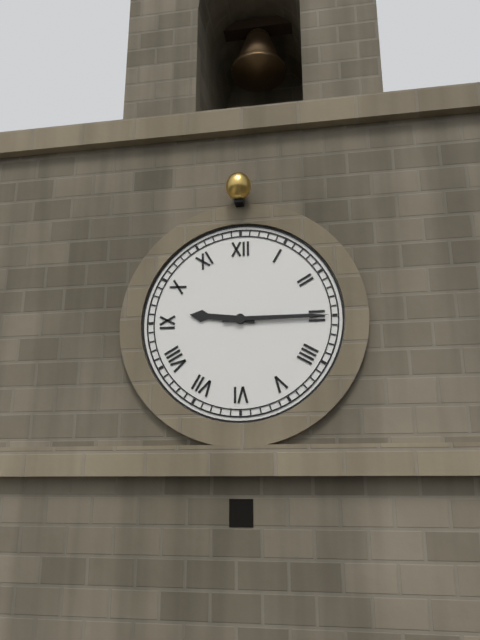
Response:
h=9 m=15
